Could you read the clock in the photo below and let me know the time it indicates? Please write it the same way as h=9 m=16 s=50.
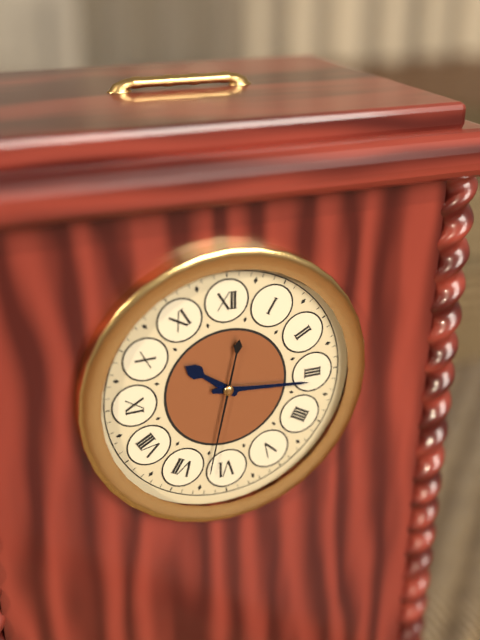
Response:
h=10 m=16 s=32
